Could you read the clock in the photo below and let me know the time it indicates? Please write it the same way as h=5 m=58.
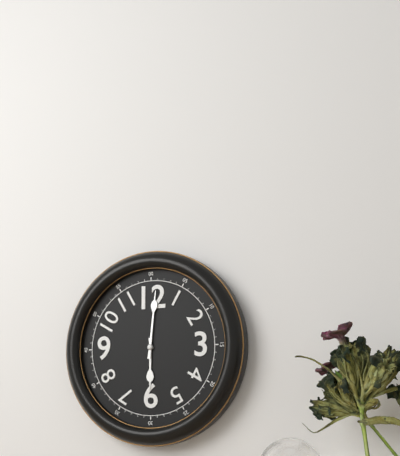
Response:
h=6 m=1
